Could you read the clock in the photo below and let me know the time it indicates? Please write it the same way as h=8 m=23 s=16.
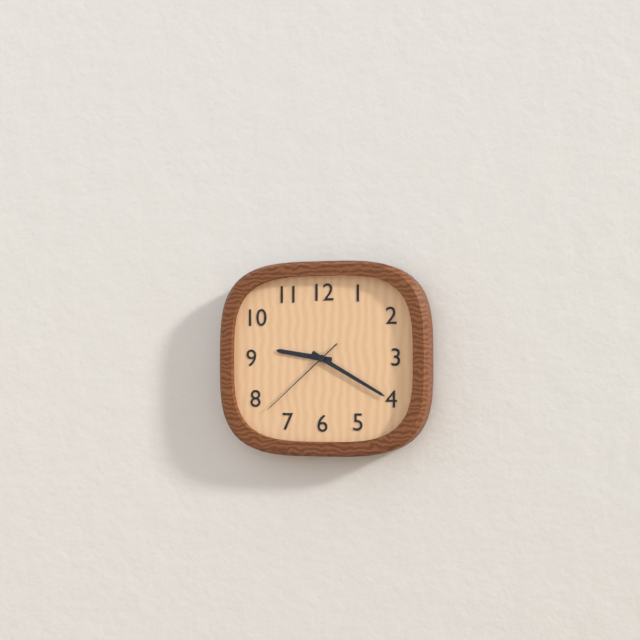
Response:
h=9 m=20 s=38
